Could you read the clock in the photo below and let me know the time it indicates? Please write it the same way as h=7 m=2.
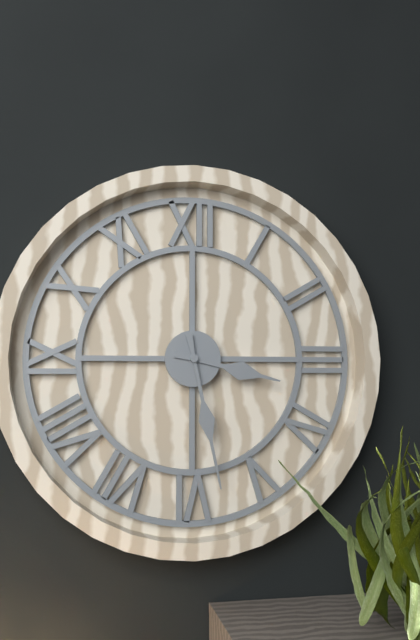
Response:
h=3 m=28
